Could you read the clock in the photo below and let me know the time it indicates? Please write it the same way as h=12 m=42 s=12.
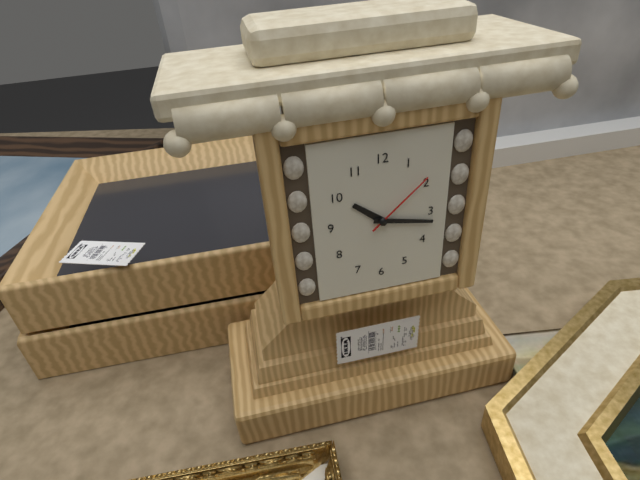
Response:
h=10 m=17 s=8
